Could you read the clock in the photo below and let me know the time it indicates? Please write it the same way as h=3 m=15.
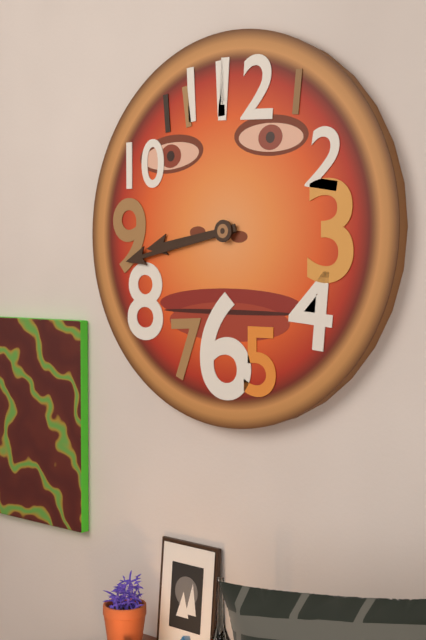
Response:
h=8 m=43
